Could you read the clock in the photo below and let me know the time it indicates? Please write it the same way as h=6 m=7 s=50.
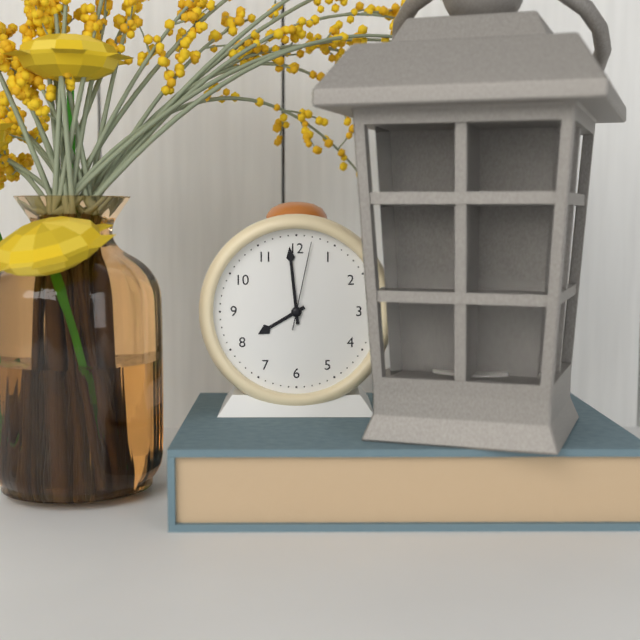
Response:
h=7 m=59 s=2
